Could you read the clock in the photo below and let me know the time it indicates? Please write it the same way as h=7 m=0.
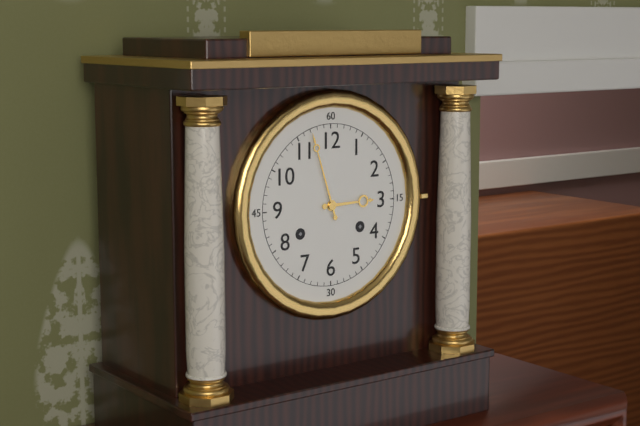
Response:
h=2 m=57
